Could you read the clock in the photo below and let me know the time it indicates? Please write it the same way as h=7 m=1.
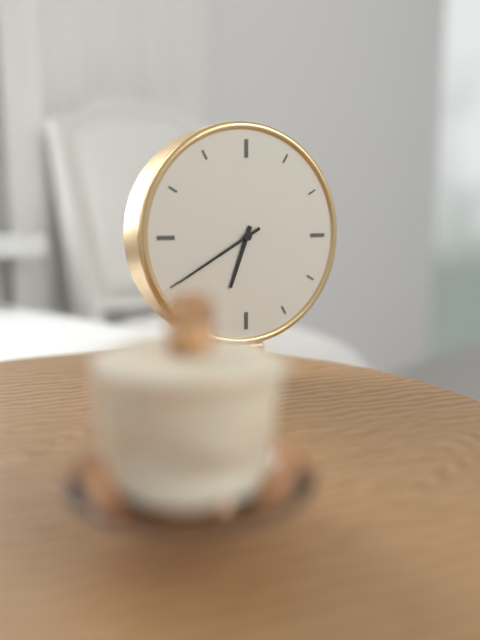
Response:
h=6 m=40
